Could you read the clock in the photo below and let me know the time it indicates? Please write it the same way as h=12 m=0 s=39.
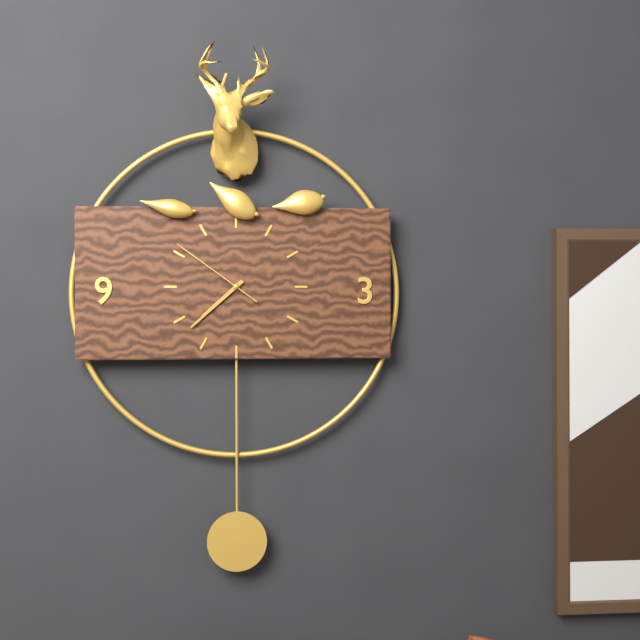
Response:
h=7 m=38 s=51
